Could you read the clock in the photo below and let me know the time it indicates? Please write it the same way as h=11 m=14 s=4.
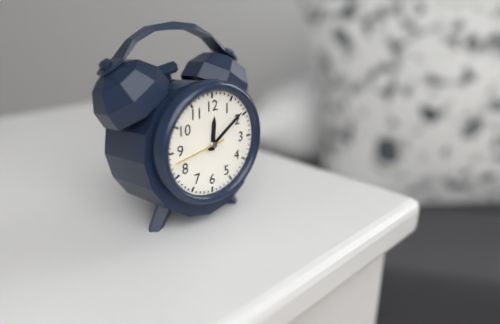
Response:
h=12 m=9 s=43
